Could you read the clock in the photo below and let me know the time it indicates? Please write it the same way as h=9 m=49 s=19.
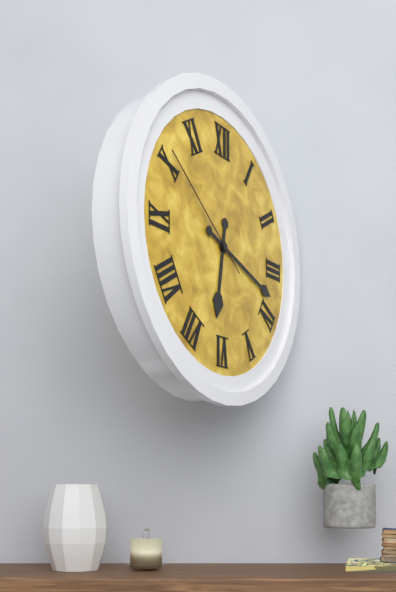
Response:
h=6 m=18 s=51
